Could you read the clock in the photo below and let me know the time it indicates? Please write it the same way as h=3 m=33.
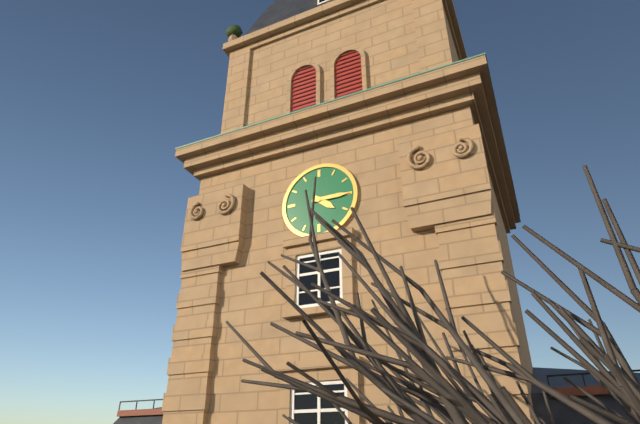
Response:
h=4 m=15
